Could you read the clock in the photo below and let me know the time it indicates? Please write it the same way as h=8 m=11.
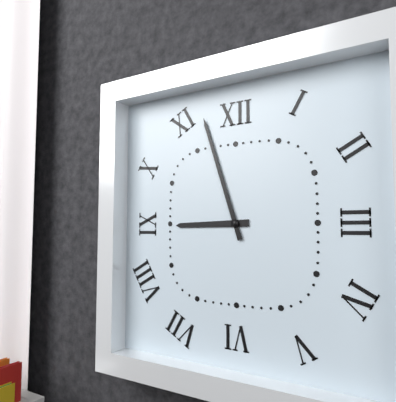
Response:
h=8 m=57
